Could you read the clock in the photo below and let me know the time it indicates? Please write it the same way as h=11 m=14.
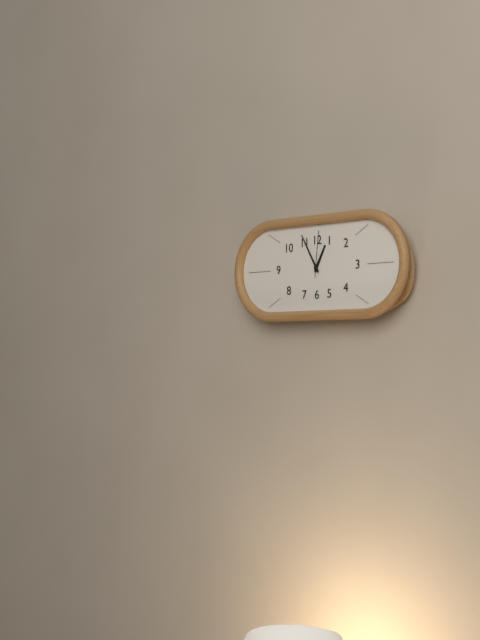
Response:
h=12 m=55
